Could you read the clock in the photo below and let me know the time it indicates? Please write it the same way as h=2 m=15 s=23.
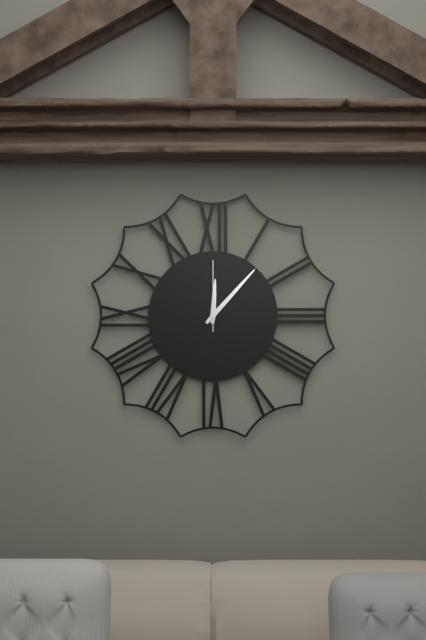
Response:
h=12 m=7 s=0
